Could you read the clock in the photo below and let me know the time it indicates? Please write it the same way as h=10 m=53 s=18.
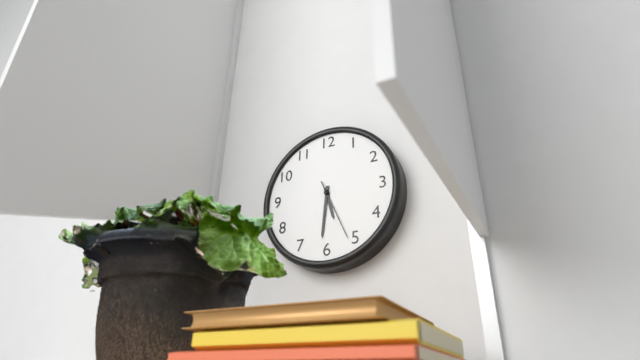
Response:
h=5 m=31 s=26
